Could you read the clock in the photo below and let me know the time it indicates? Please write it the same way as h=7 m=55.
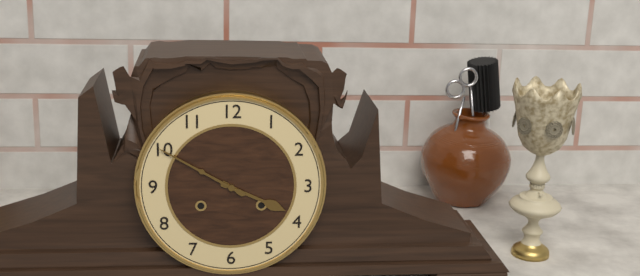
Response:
h=3 m=50
